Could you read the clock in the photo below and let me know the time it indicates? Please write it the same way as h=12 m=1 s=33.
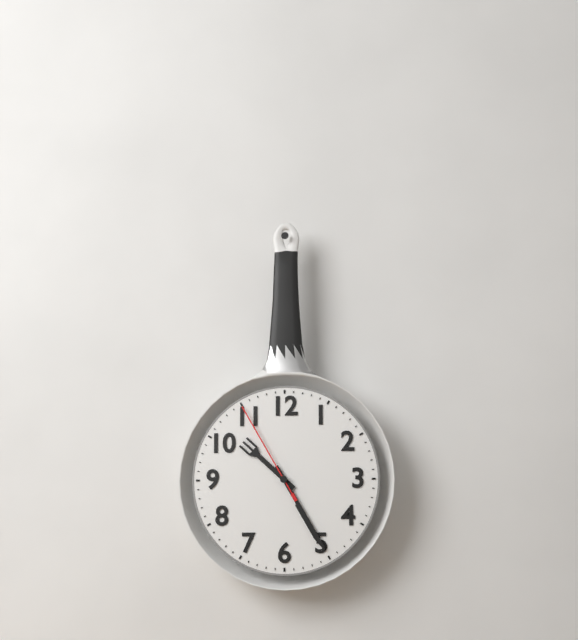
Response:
h=10 m=25 s=55
